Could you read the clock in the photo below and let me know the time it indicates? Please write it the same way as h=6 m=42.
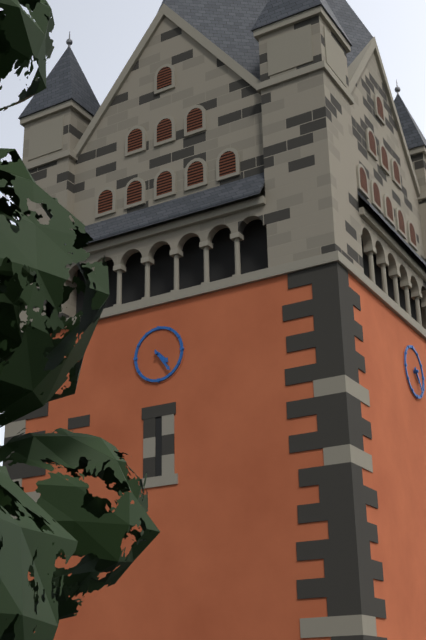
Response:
h=4 m=24
